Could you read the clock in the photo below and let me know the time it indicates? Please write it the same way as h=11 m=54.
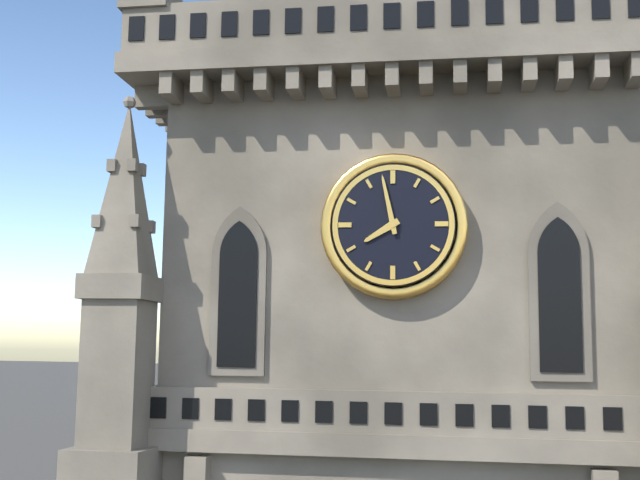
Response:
h=7 m=58
